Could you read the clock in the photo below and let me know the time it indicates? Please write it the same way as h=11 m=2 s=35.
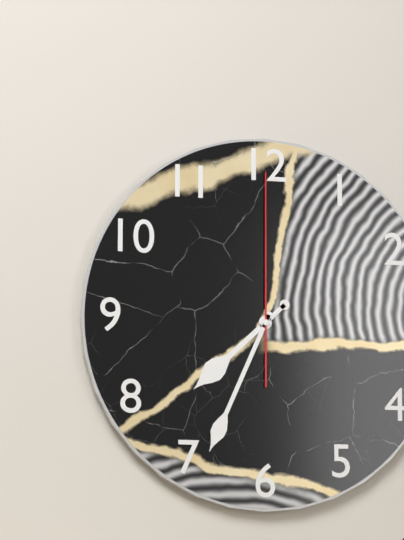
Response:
h=7 m=34 s=0
